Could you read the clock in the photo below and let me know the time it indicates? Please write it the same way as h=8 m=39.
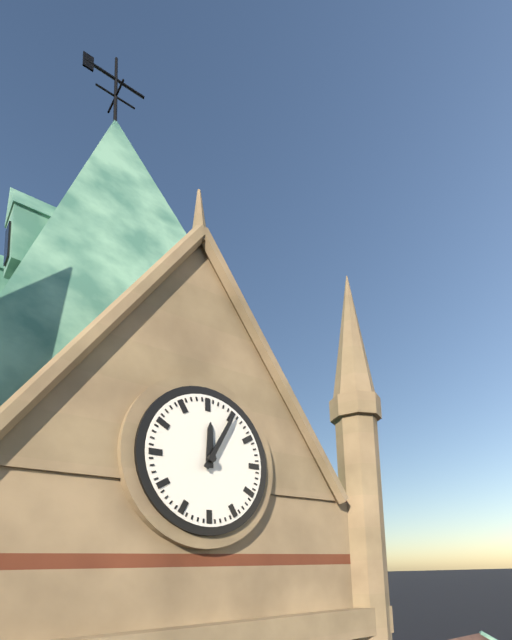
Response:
h=12 m=5
